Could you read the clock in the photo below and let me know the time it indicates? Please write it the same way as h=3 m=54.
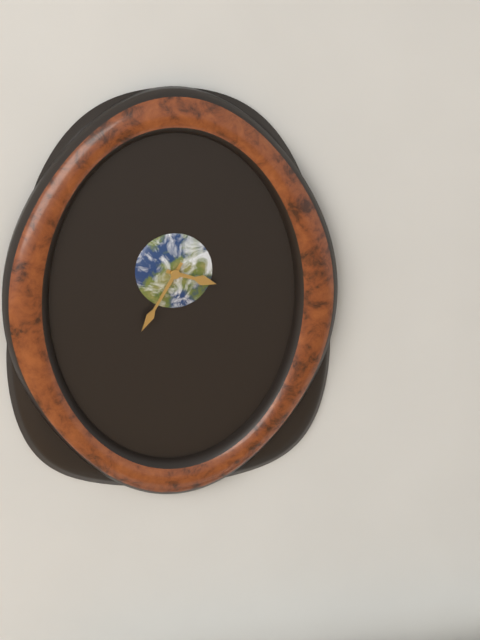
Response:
h=3 m=35
